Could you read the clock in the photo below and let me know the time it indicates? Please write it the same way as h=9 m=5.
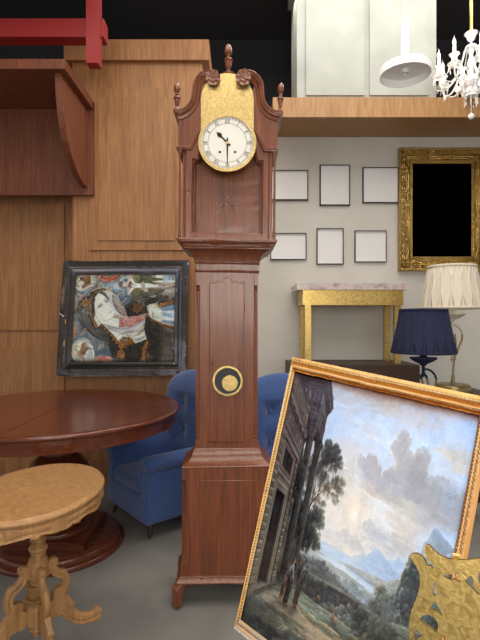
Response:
h=10 m=30
